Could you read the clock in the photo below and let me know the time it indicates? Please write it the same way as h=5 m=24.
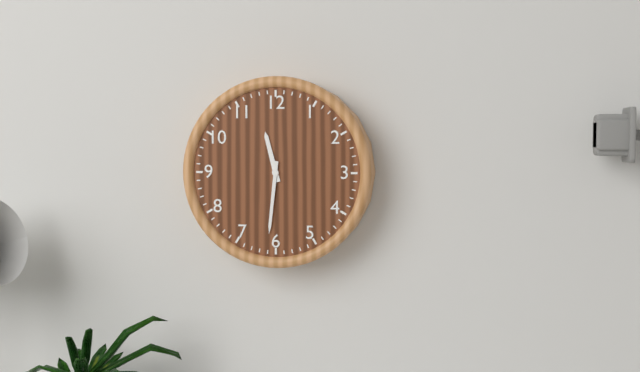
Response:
h=11 m=31
